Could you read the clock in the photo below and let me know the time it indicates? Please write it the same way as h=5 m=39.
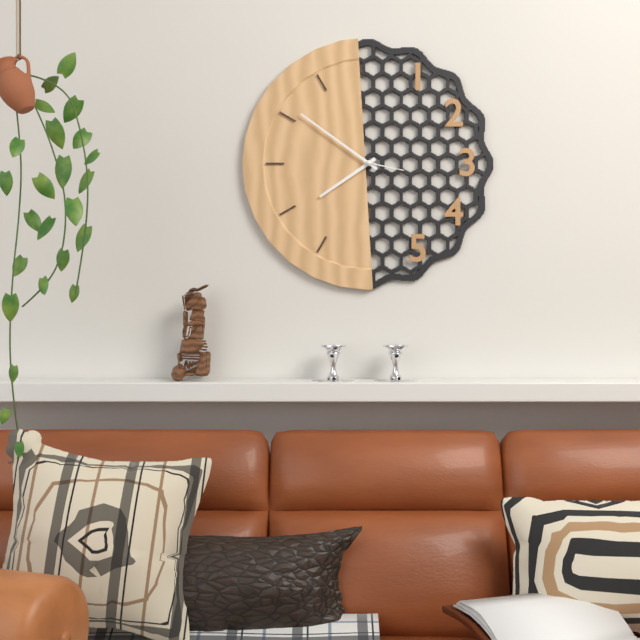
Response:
h=7 m=51
